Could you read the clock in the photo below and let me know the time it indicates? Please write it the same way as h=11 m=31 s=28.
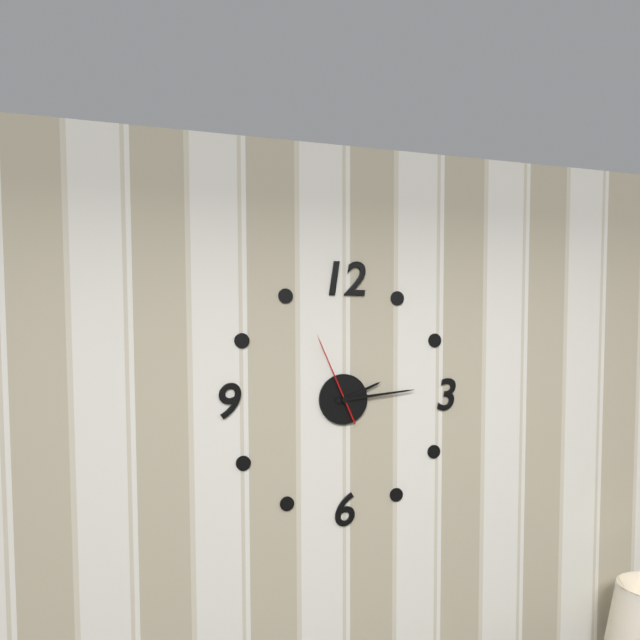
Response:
h=2 m=14 s=56
